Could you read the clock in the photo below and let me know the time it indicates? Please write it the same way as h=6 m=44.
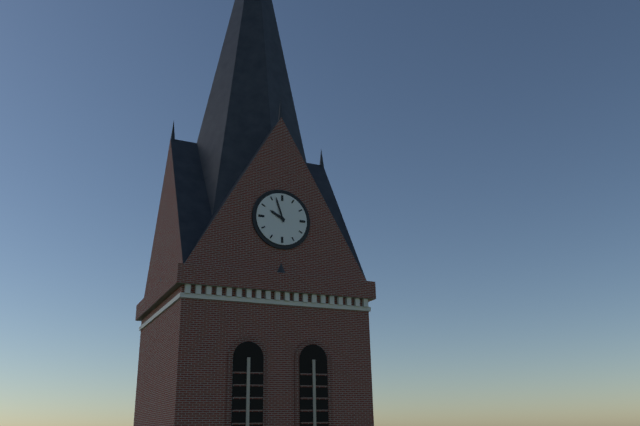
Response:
h=9 m=57
